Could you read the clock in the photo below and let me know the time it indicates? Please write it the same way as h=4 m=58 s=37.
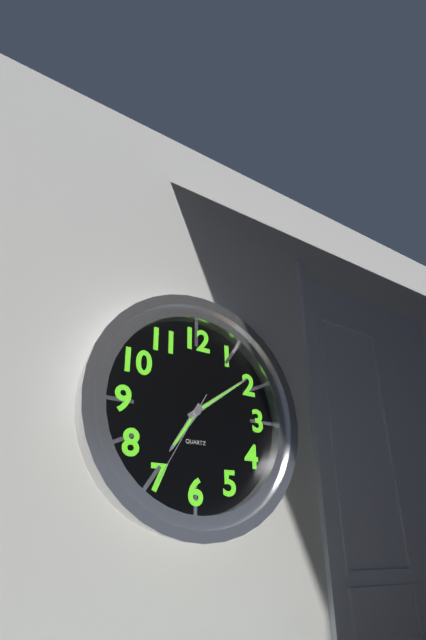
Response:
h=7 m=9 s=35
